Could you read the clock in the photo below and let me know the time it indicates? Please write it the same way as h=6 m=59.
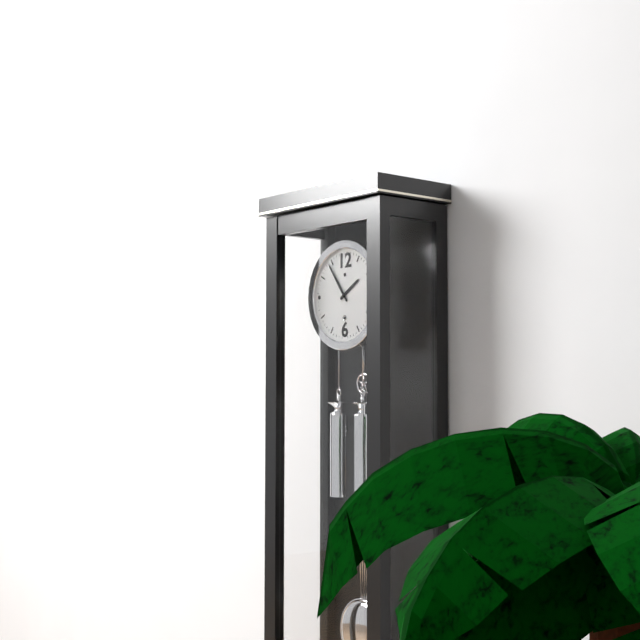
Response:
h=1 m=54
